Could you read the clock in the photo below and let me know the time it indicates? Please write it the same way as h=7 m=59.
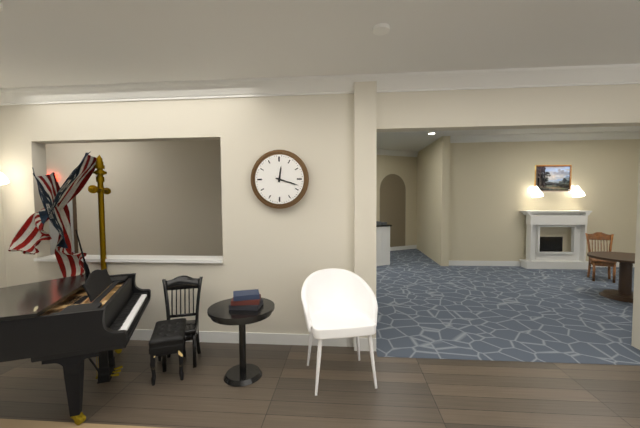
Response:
h=12 m=18
